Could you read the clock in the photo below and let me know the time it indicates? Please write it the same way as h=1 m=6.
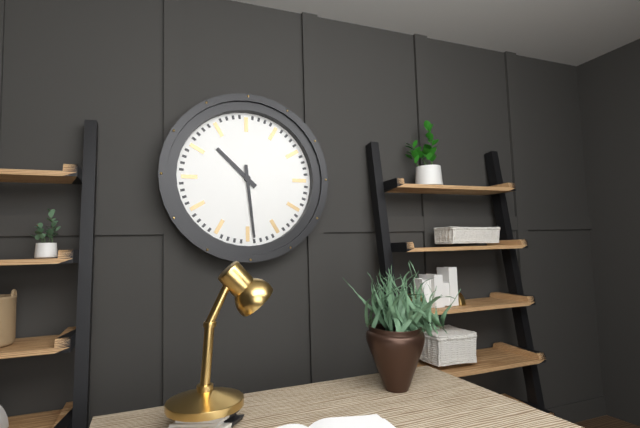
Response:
h=10 m=29
